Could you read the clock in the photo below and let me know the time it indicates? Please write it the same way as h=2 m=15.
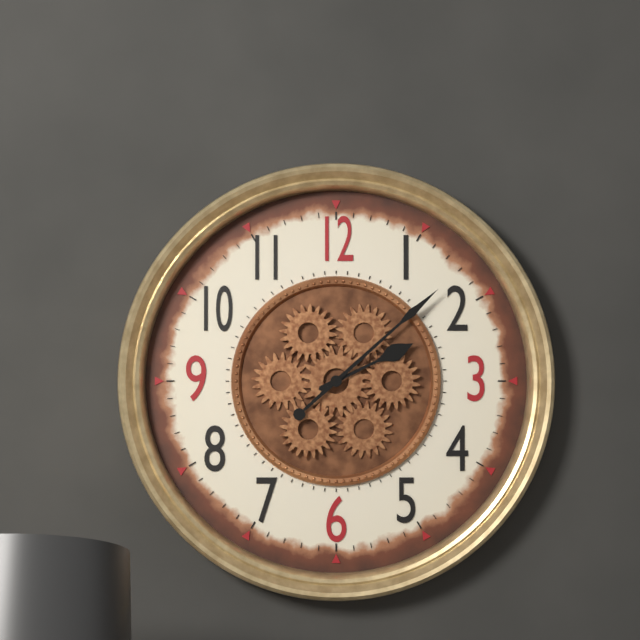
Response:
h=2 m=8
